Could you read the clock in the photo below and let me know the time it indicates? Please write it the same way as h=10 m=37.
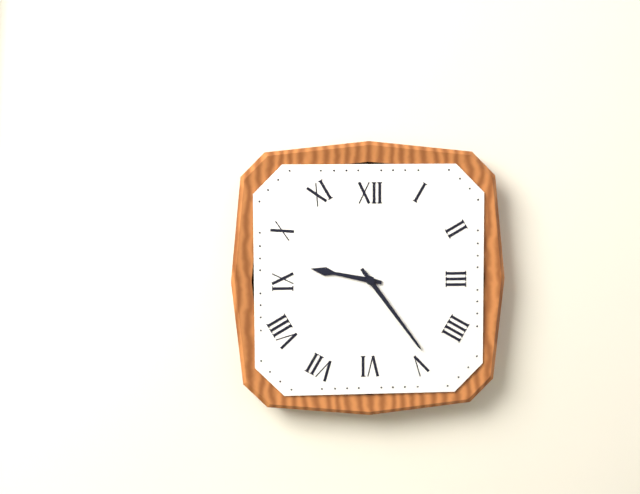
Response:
h=9 m=24
